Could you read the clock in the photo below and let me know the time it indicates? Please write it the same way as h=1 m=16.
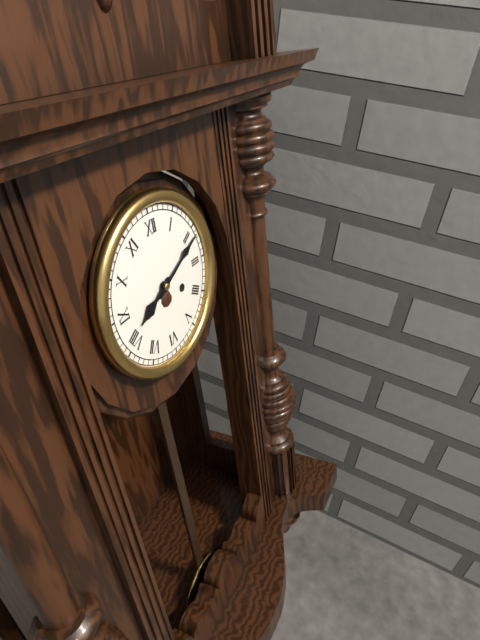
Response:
h=8 m=11
